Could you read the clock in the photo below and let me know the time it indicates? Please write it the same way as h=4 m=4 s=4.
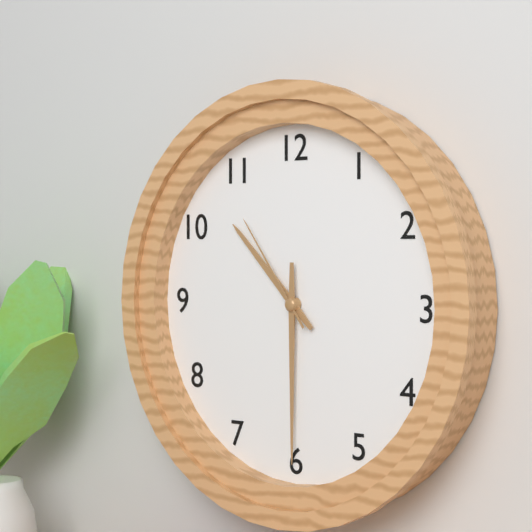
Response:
h=10 m=30 s=54
